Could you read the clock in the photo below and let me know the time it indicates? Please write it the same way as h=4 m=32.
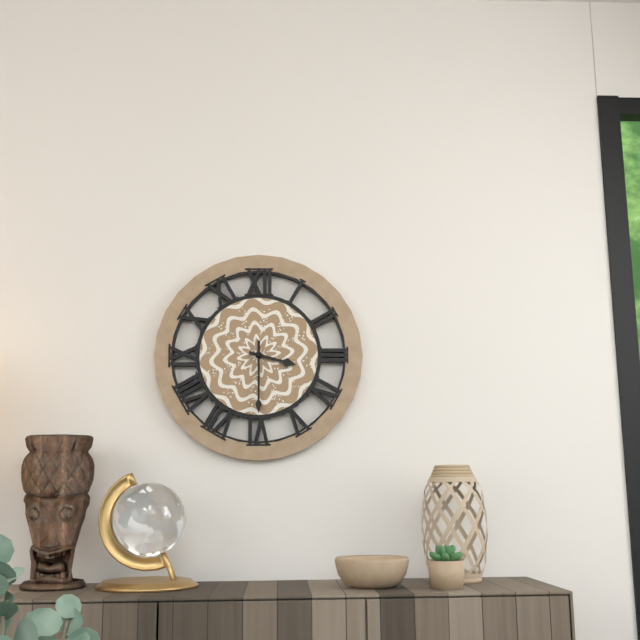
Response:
h=3 m=30
